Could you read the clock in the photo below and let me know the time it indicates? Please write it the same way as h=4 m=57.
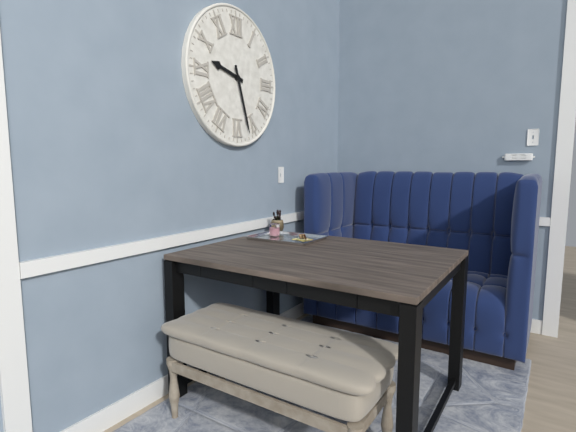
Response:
h=9 m=27
